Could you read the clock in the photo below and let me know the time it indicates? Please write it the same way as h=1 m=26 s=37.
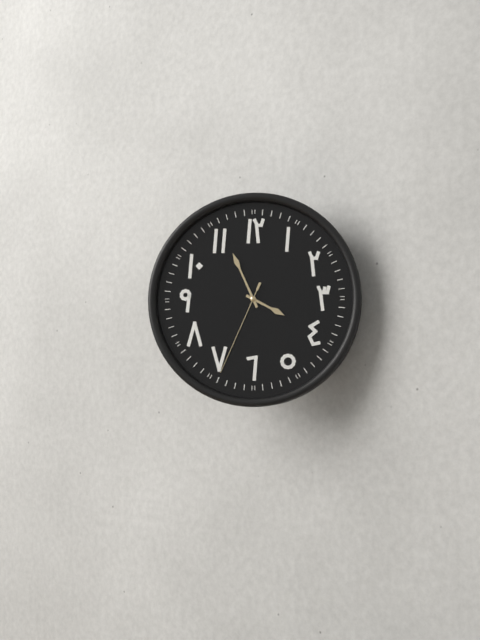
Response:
h=3 m=56 s=34
